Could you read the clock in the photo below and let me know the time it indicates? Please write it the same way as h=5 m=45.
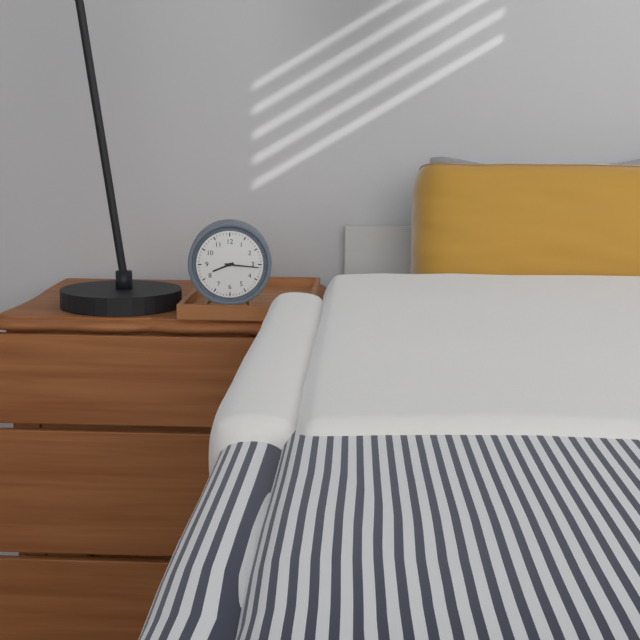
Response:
h=8 m=16
